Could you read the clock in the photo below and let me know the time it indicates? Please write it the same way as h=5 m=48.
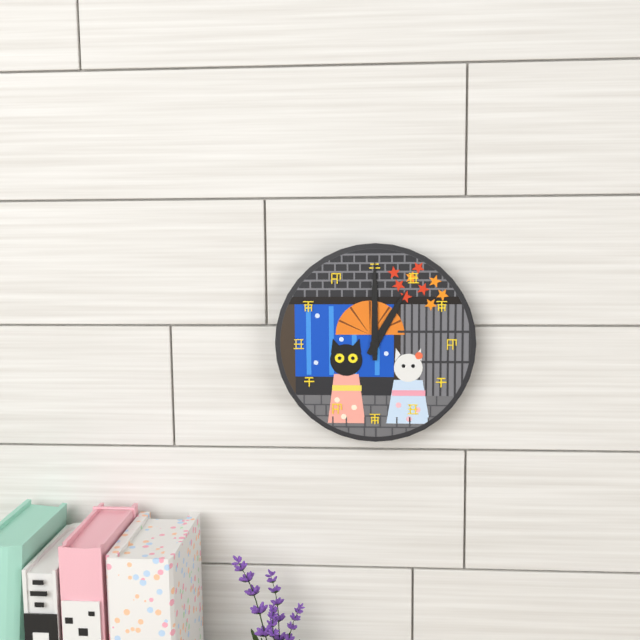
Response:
h=1 m=0
